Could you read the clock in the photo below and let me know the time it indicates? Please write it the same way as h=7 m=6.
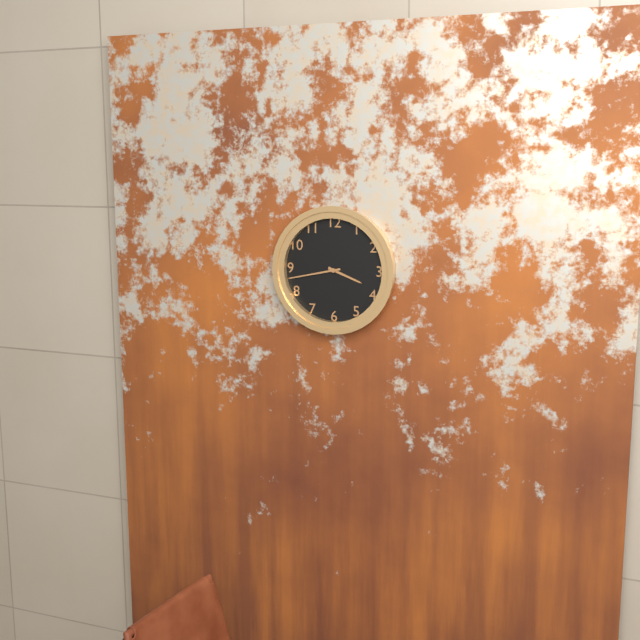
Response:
h=3 m=43
